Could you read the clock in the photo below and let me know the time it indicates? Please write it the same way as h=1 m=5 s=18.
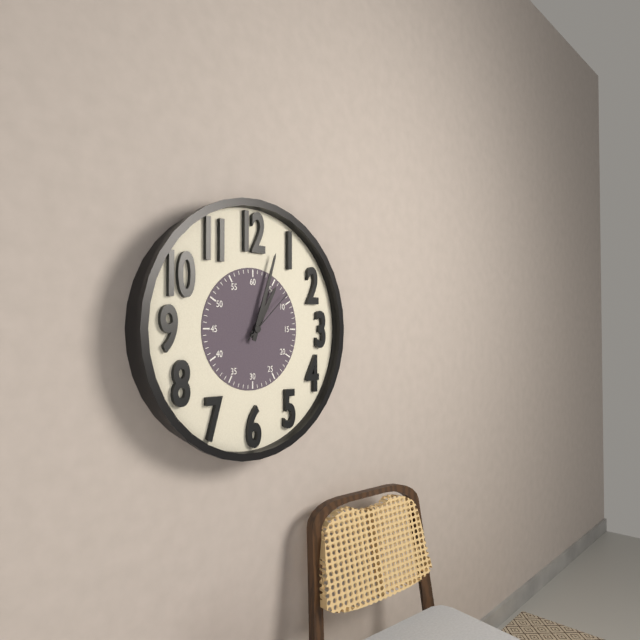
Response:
h=1 m=3 s=8
